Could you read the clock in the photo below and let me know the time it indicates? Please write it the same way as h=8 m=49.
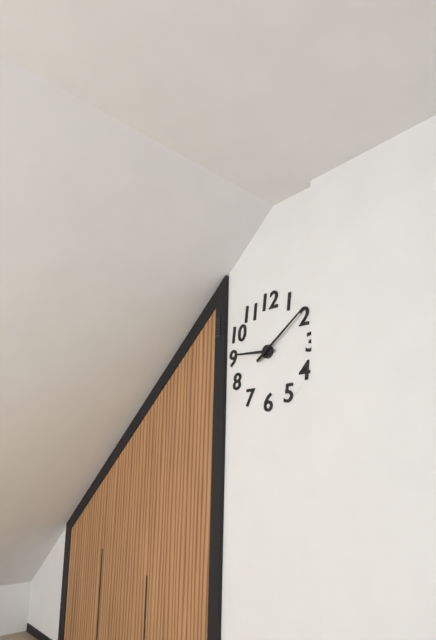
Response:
h=9 m=9
